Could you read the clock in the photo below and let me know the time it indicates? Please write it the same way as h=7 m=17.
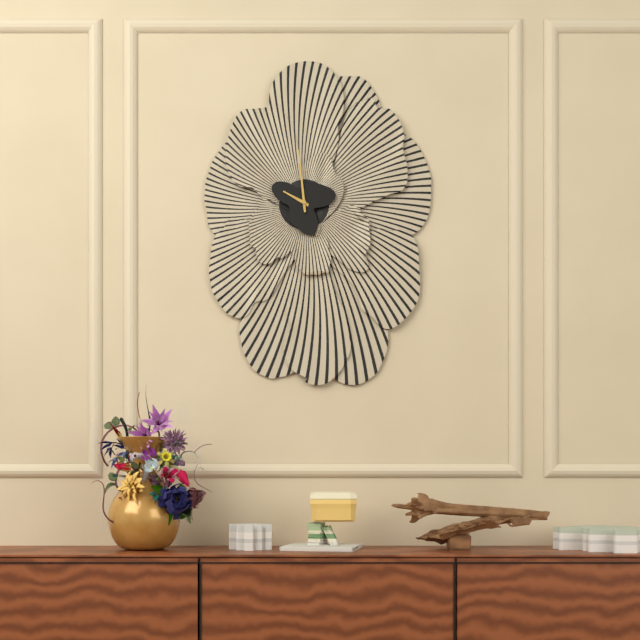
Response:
h=9 m=59
